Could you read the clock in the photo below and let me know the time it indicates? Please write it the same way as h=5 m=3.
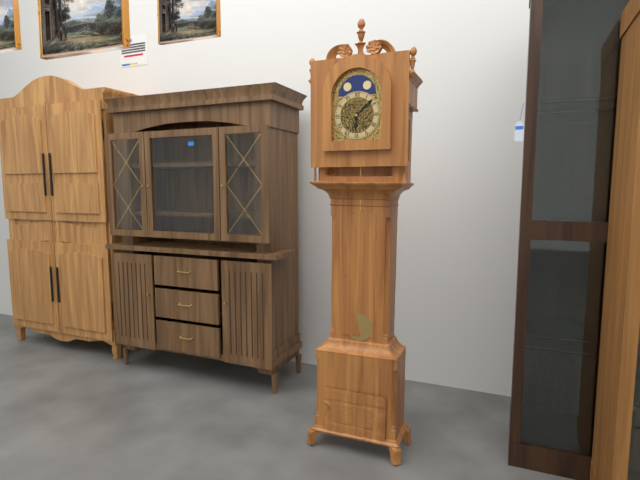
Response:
h=6 m=8
